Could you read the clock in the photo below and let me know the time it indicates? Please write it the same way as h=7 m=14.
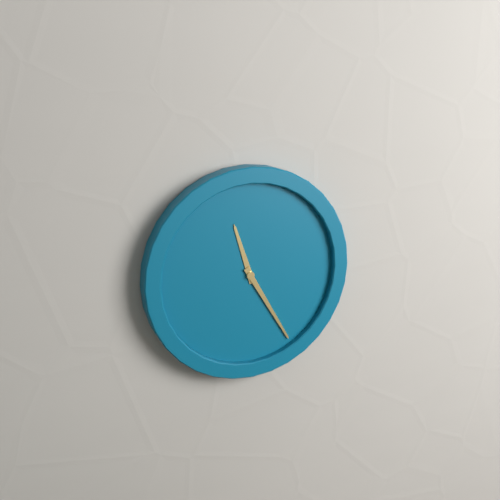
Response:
h=11 m=25
